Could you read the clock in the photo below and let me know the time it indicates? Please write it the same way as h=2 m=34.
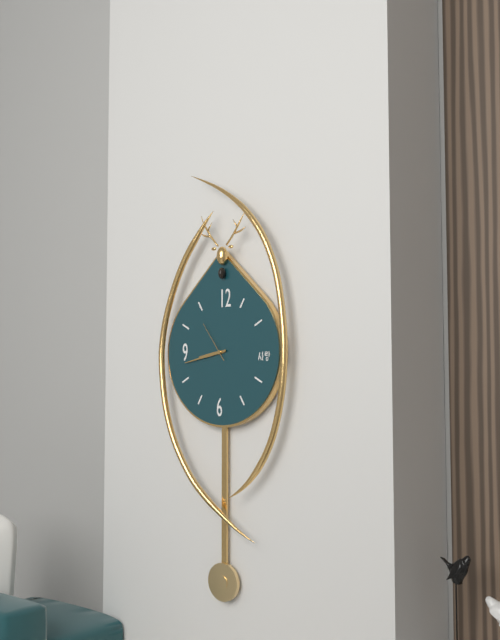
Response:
h=8 m=43
